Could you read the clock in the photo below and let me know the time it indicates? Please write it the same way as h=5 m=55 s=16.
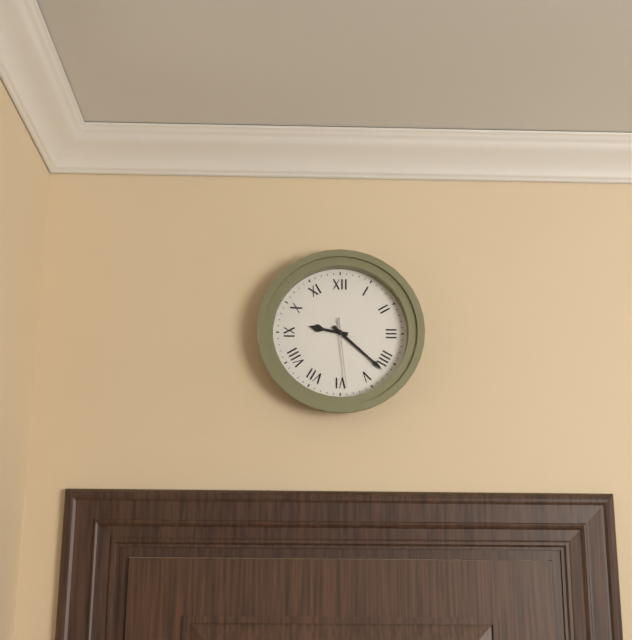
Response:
h=9 m=22 s=29
